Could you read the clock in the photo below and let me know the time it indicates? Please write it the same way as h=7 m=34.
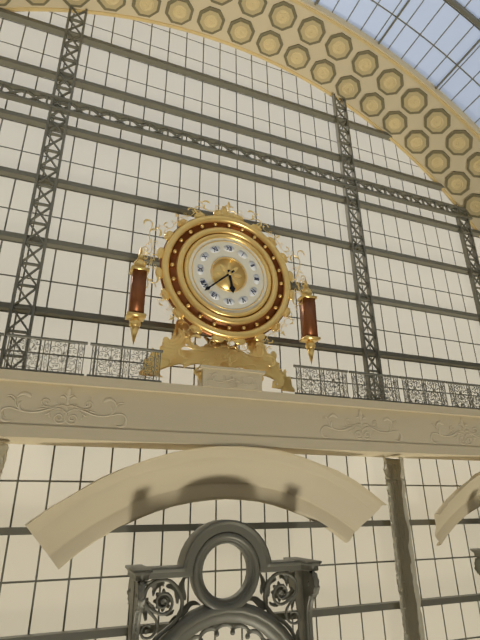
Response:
h=5 m=38
